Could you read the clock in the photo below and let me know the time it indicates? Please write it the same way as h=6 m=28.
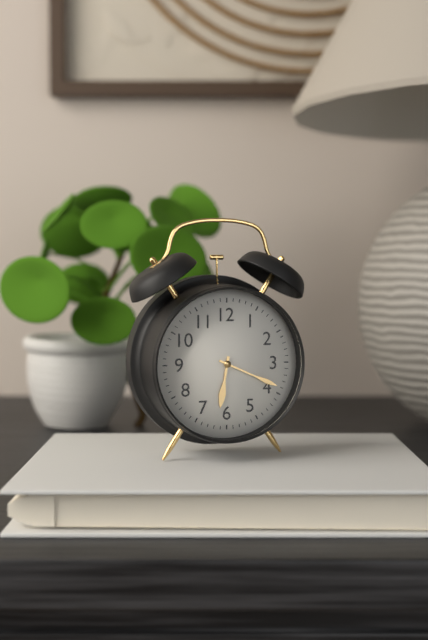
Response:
h=6 m=19
